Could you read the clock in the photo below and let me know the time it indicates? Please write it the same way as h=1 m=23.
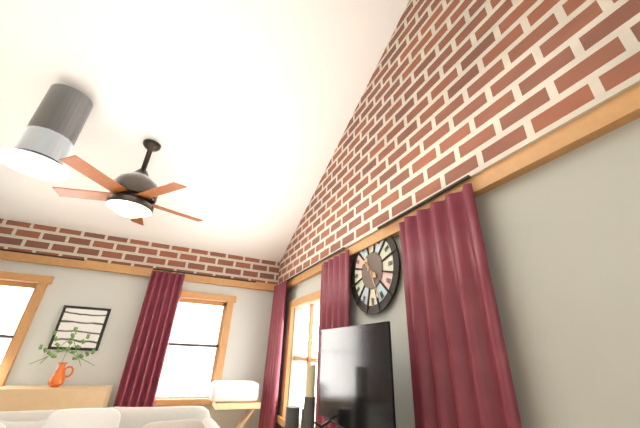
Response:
h=10 m=26
